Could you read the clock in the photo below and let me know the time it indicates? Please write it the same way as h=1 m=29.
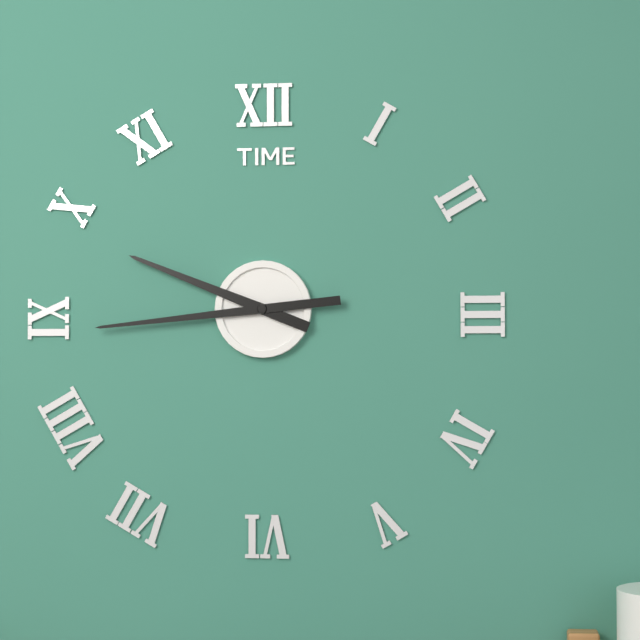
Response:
h=9 m=44
